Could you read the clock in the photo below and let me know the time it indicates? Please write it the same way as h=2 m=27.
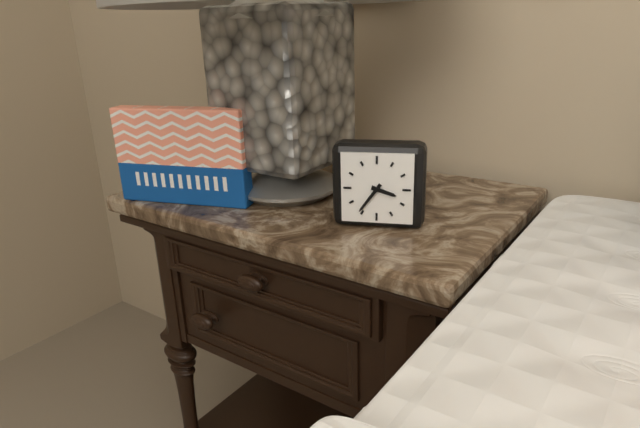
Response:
h=3 m=36
